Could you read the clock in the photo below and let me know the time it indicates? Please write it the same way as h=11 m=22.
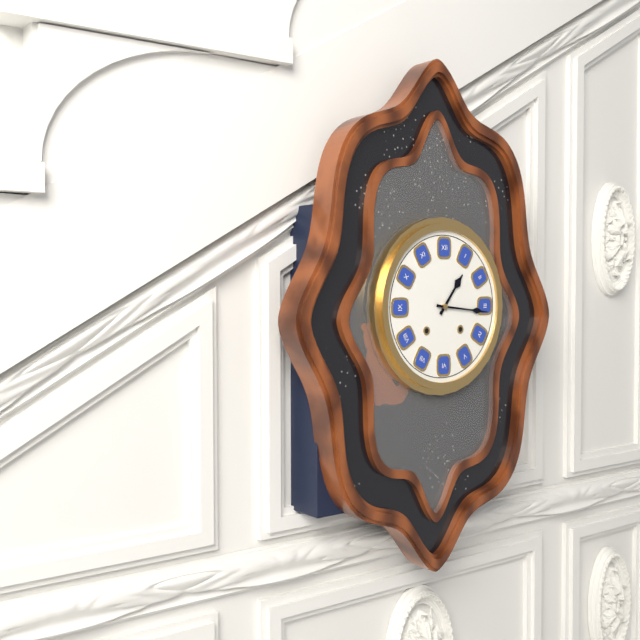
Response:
h=1 m=16
